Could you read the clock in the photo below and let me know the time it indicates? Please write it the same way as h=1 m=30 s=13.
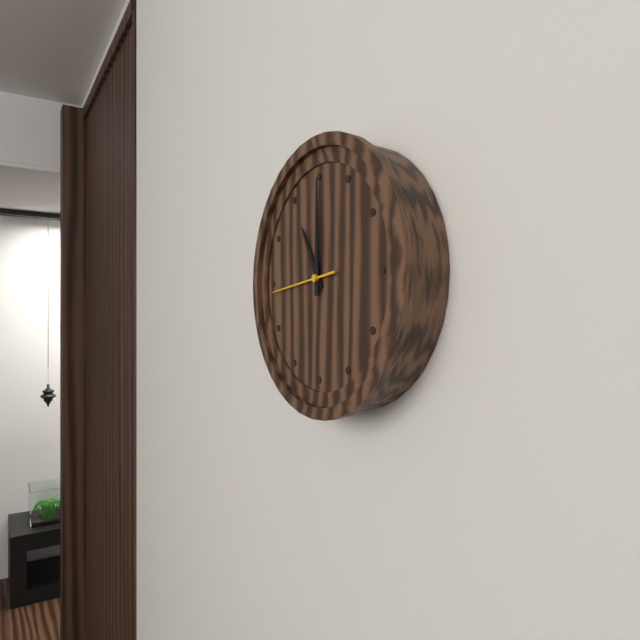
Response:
h=11 m=0 s=44
